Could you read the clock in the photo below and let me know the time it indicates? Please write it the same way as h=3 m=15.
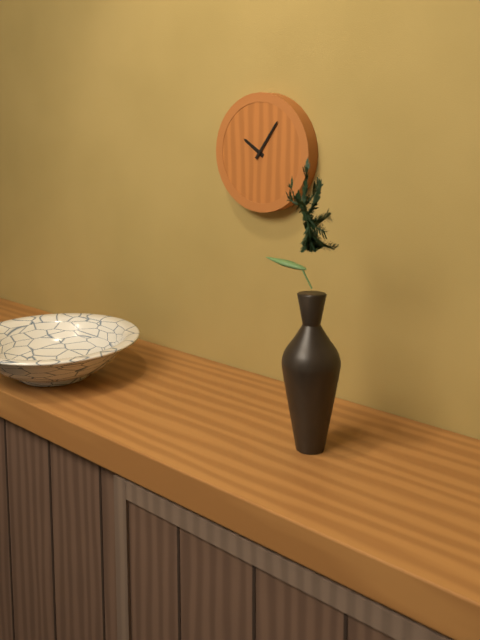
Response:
h=10 m=6
